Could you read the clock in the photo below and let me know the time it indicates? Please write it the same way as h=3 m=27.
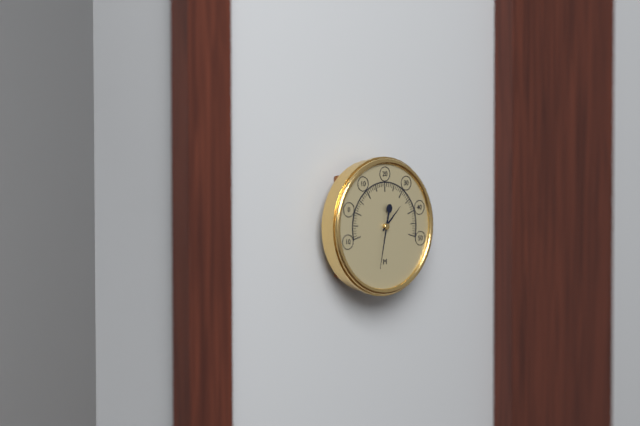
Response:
h=1 m=32
